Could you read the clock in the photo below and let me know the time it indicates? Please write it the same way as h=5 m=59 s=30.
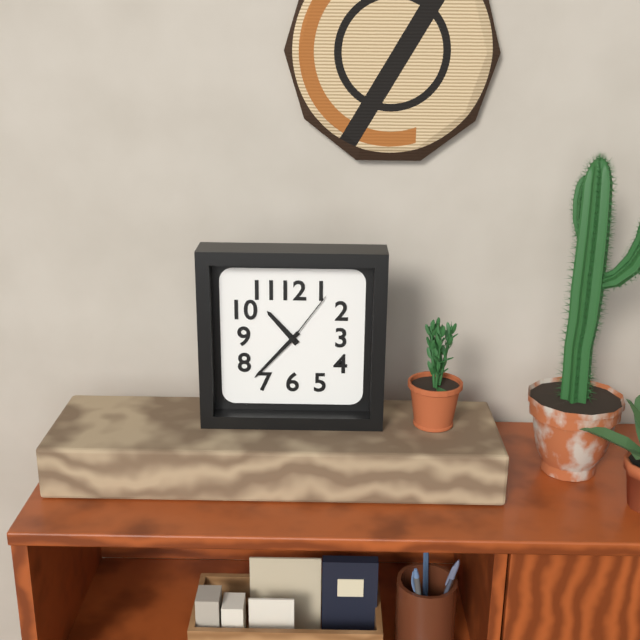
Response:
h=10 m=37 s=6
